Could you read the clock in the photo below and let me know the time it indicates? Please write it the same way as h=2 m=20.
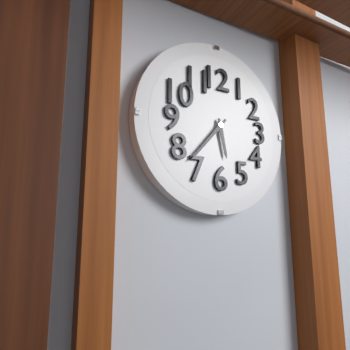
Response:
h=5 m=37
